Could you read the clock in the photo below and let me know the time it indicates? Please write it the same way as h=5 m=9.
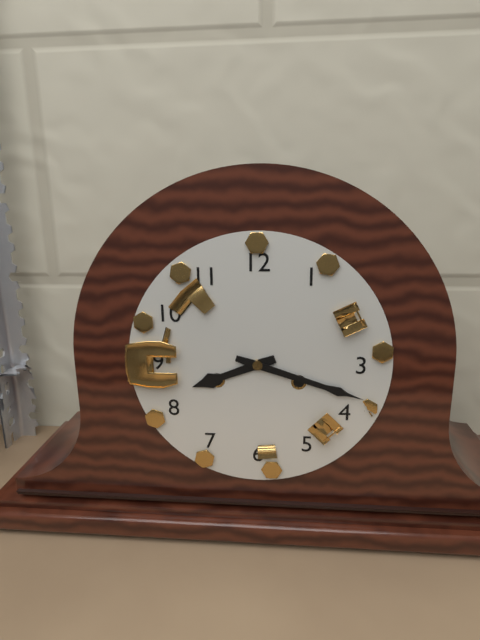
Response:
h=8 m=18
